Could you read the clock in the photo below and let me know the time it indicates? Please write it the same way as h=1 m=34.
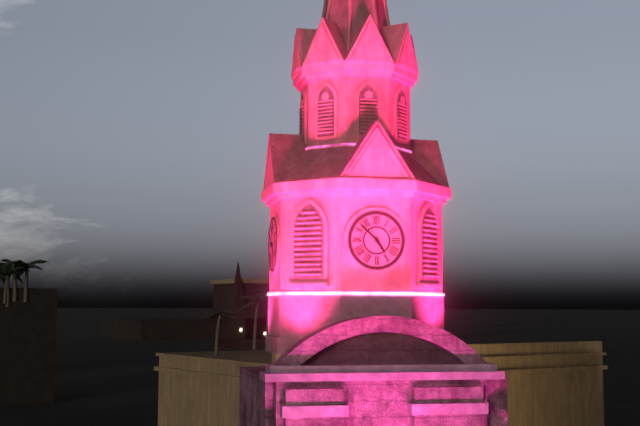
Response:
h=4 m=52
